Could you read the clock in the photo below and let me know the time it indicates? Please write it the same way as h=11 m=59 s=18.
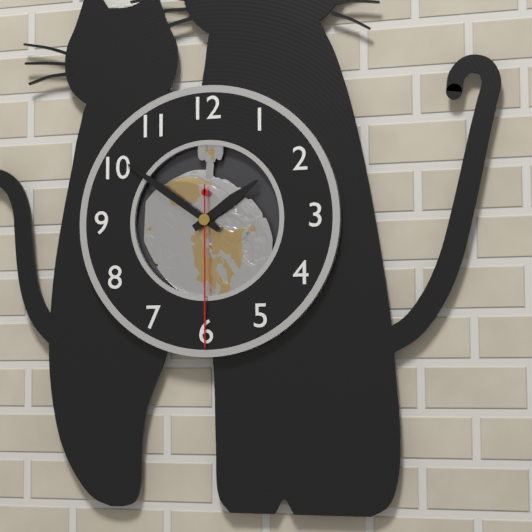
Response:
h=1 m=51 s=30
